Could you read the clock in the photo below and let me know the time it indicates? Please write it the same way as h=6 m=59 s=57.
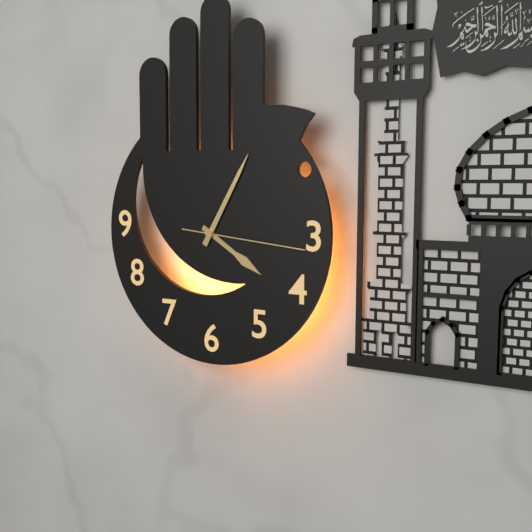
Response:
h=4 m=5 s=16
